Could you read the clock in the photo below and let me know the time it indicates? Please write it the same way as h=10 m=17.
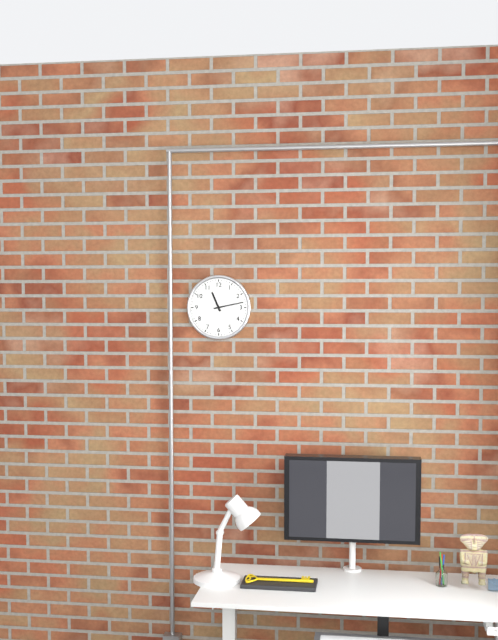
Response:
h=11 m=13
